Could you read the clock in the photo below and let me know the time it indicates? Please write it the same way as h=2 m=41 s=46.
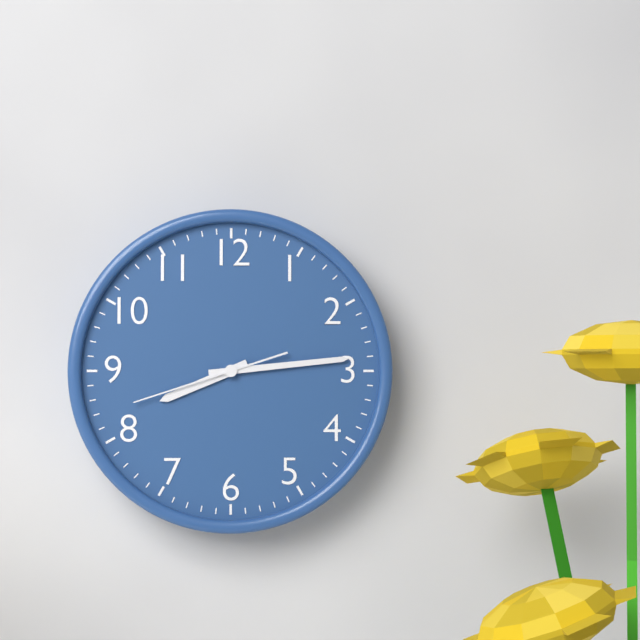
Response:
h=8 m=14 s=42
